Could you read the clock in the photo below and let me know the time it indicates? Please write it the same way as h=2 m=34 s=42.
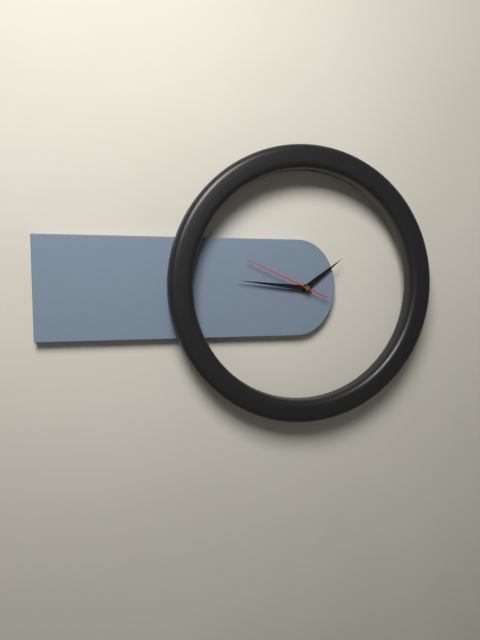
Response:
h=1 m=46 s=49
